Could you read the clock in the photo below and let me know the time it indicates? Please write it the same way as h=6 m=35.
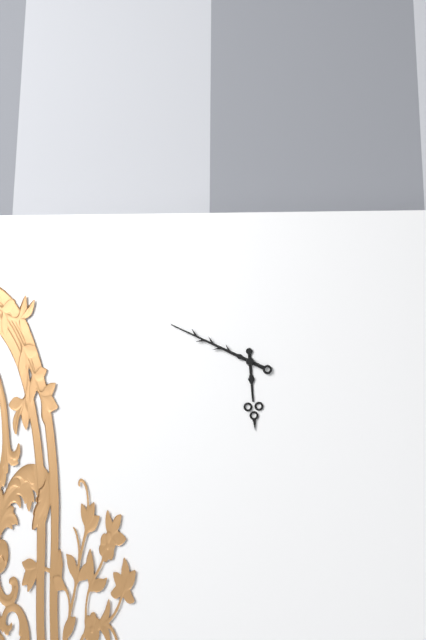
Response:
h=5 m=49
